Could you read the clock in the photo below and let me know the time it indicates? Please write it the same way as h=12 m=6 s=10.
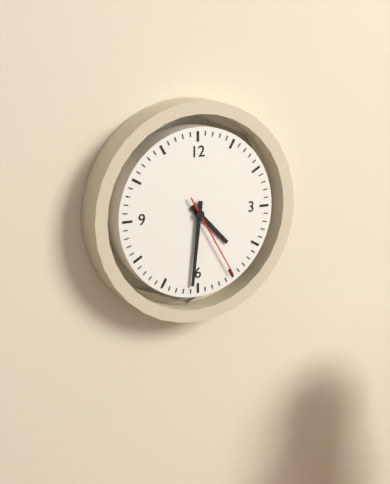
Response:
h=4 m=31 s=25
